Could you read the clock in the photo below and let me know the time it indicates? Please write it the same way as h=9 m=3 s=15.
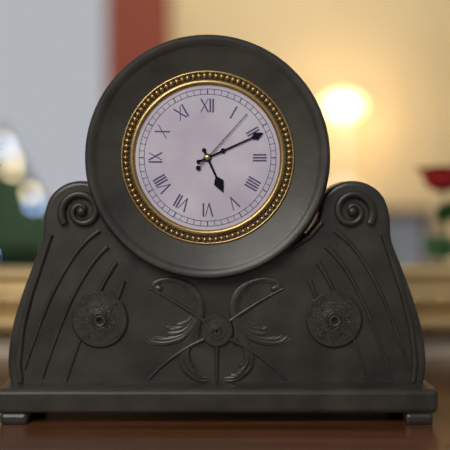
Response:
h=5 m=11 s=7
